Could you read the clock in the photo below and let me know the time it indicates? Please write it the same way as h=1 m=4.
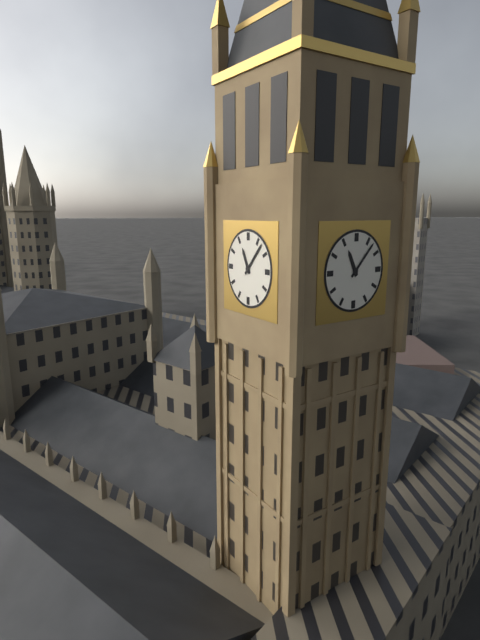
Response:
h=11 m=7
